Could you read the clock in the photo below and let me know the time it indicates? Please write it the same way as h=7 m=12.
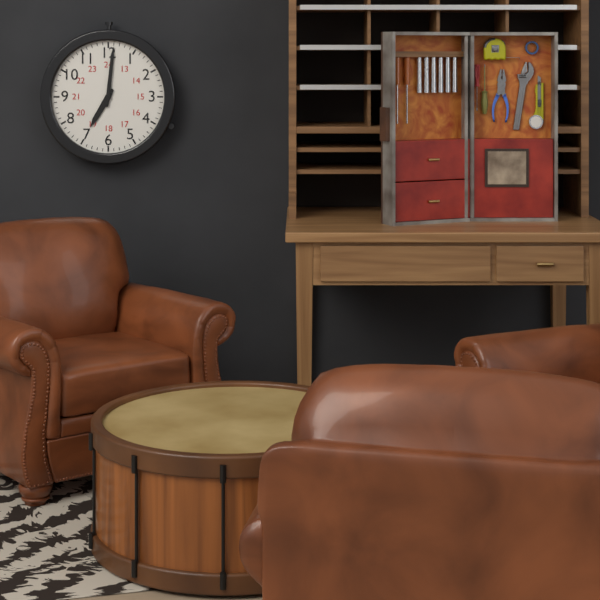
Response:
h=7 m=1
